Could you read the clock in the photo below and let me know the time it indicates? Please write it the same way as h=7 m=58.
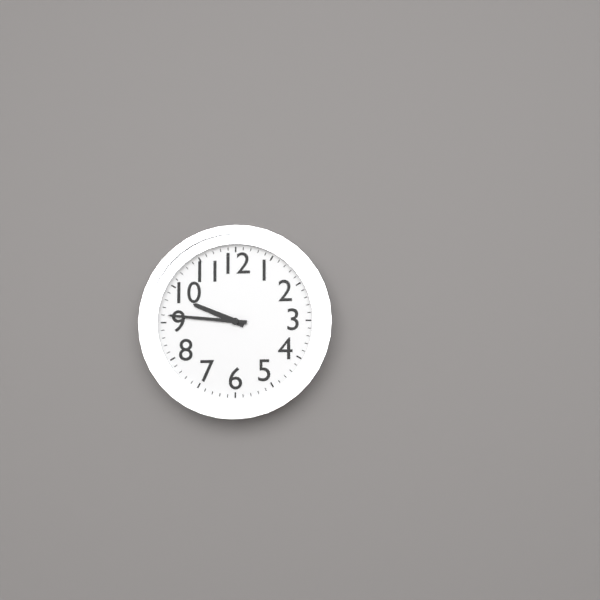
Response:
h=9 m=46
